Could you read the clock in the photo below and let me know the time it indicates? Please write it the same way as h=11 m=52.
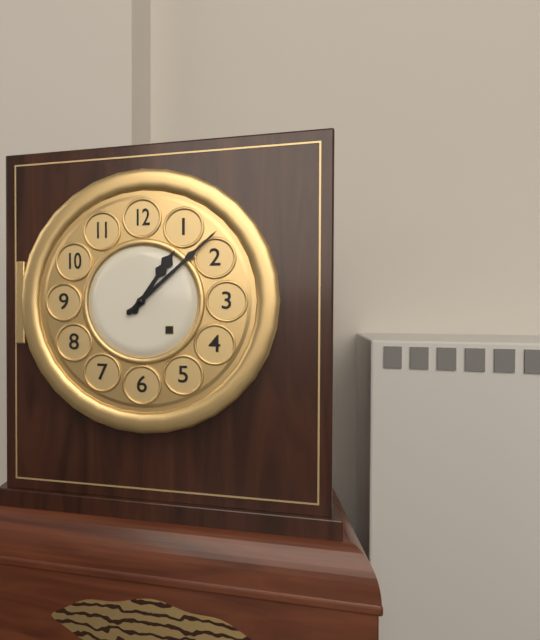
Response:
h=1 m=8
